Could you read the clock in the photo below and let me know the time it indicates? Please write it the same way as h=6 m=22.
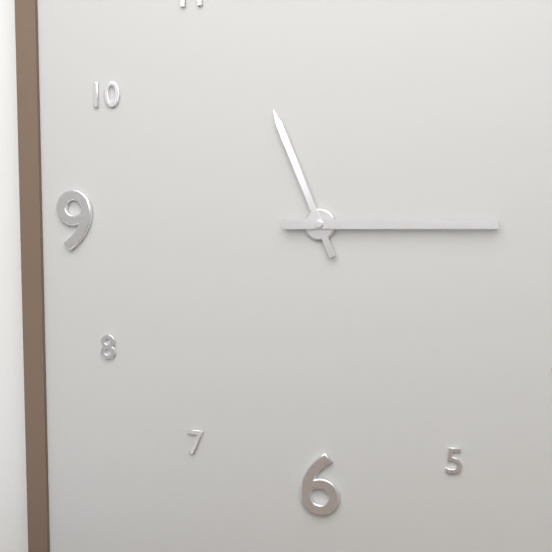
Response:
h=11 m=15
